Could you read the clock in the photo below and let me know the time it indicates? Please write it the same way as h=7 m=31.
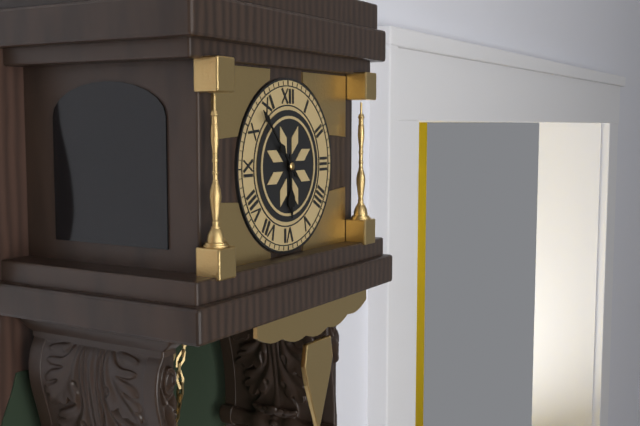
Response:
h=5 m=53
